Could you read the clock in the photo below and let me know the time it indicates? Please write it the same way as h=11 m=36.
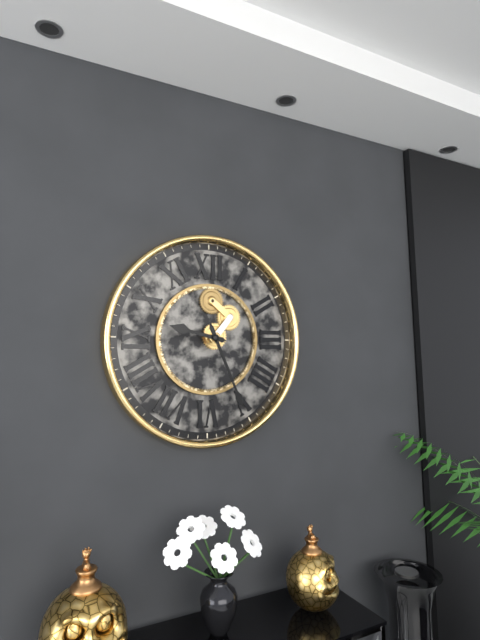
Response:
h=9 m=26
